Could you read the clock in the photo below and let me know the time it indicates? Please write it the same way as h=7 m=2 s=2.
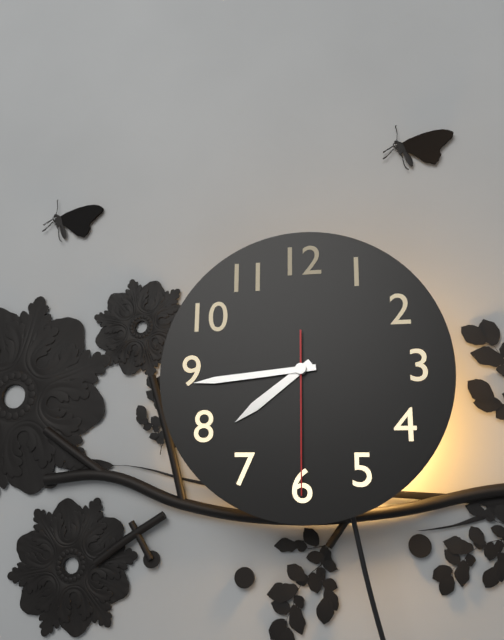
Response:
h=7 m=44 s=30
